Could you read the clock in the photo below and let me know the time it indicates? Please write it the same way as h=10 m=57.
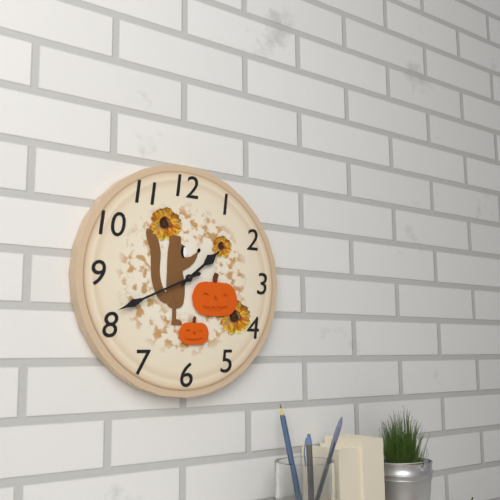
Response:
h=1 m=41
